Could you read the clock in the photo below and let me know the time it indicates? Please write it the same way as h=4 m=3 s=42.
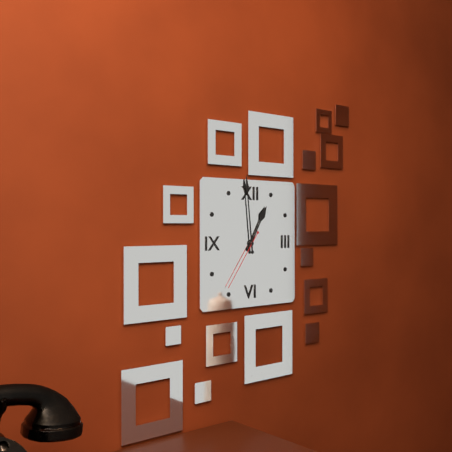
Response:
h=12 m=59 s=36
